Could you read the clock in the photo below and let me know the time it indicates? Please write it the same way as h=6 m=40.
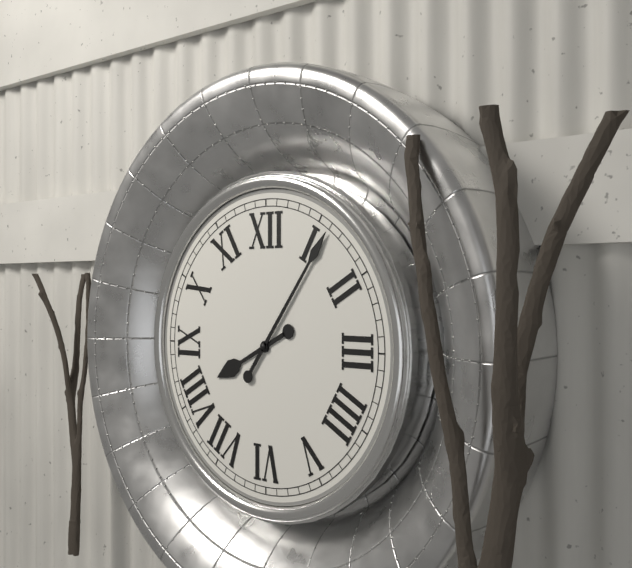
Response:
h=8 m=6
